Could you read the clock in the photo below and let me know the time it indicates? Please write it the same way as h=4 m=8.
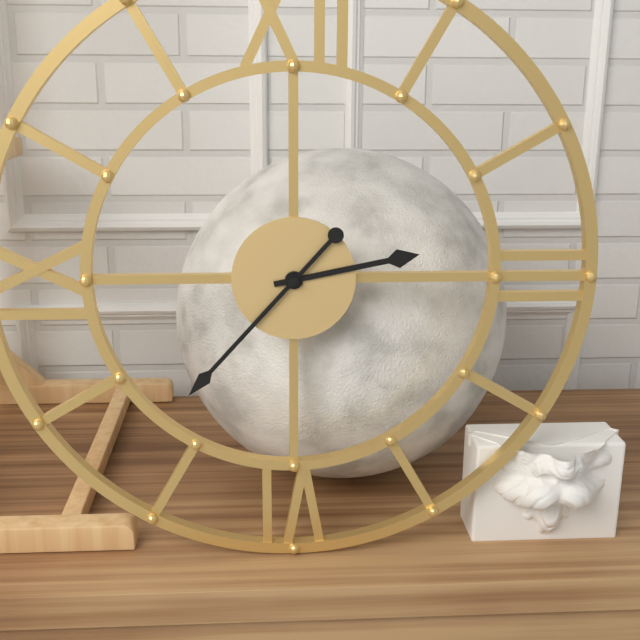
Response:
h=2 m=37
